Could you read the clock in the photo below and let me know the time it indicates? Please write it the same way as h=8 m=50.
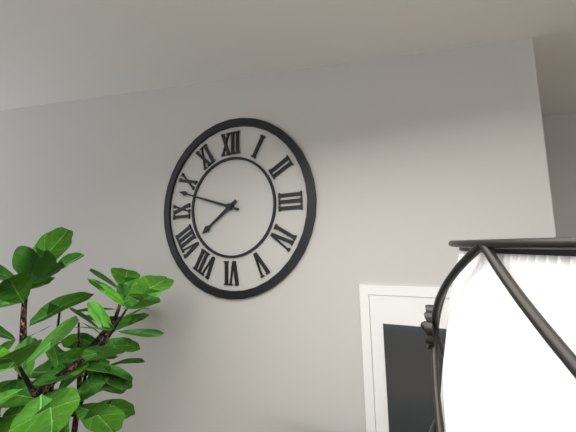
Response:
h=7 m=48
